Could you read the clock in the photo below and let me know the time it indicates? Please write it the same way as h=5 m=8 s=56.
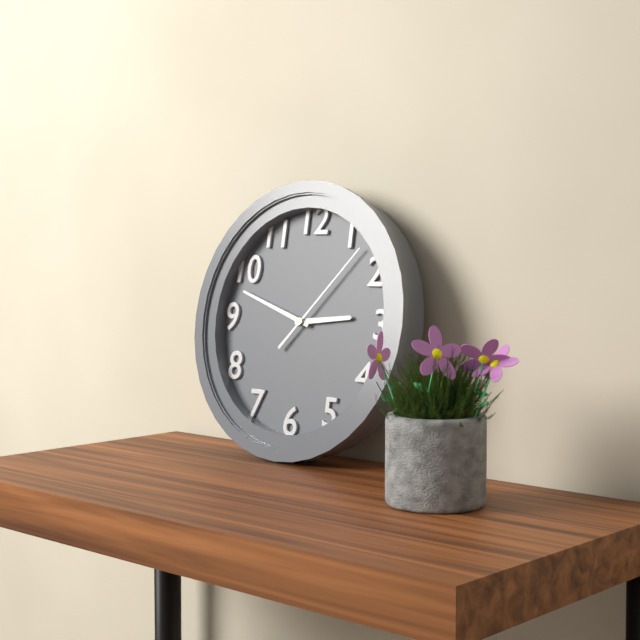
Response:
h=2 m=48 s=7
